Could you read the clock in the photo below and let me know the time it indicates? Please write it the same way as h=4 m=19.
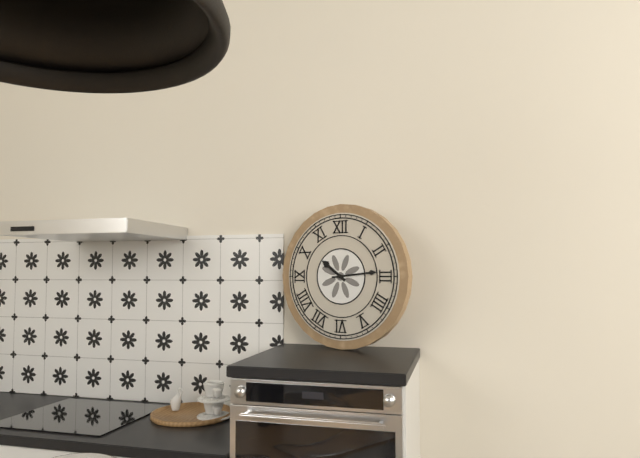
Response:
h=10 m=14
